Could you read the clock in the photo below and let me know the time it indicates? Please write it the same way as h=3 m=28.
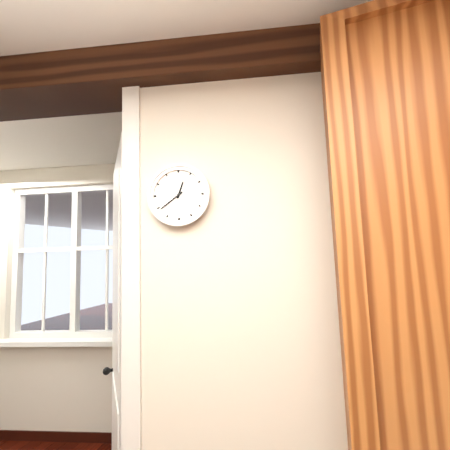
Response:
h=12 m=39
